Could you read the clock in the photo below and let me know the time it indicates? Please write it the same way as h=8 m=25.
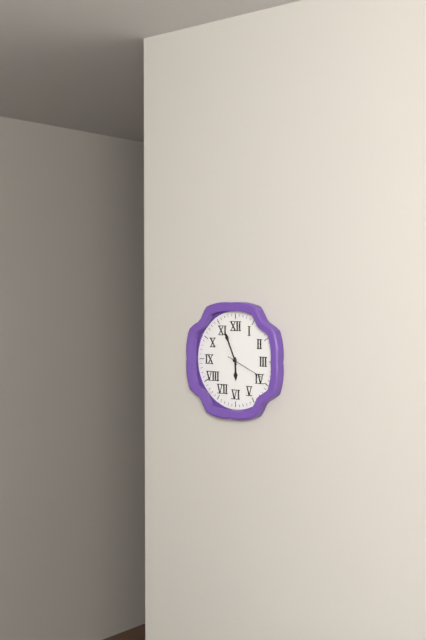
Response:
h=5 m=56
